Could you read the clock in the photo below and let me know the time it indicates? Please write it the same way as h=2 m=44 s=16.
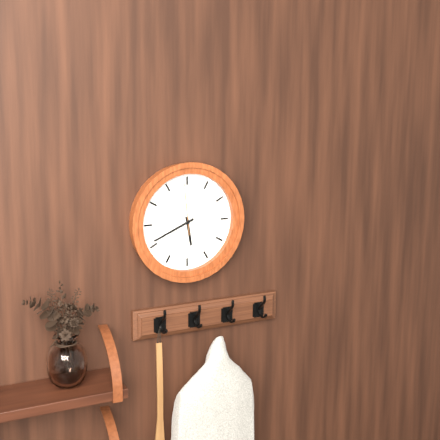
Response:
h=5 m=41 s=59
